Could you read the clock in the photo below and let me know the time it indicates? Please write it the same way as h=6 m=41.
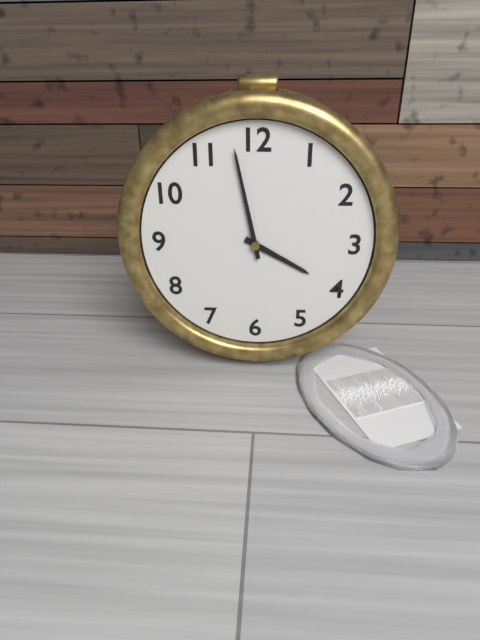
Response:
h=3 m=58
